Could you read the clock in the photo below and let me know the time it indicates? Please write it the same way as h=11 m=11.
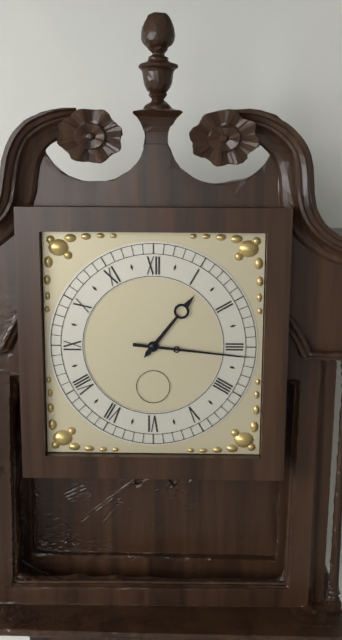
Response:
h=1 m=16
